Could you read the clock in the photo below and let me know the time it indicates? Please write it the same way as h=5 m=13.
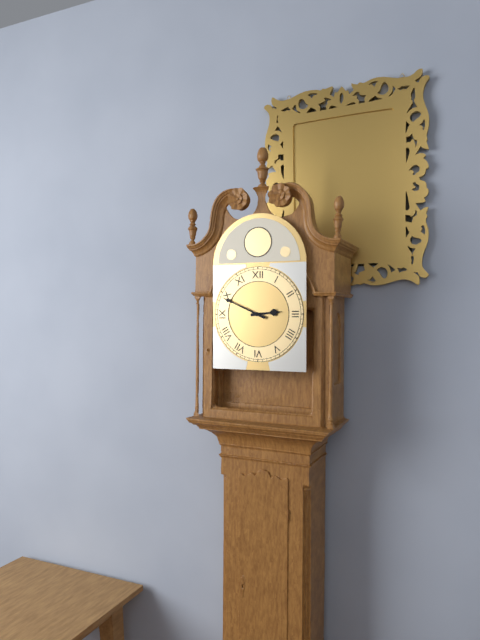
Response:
h=2 m=49
